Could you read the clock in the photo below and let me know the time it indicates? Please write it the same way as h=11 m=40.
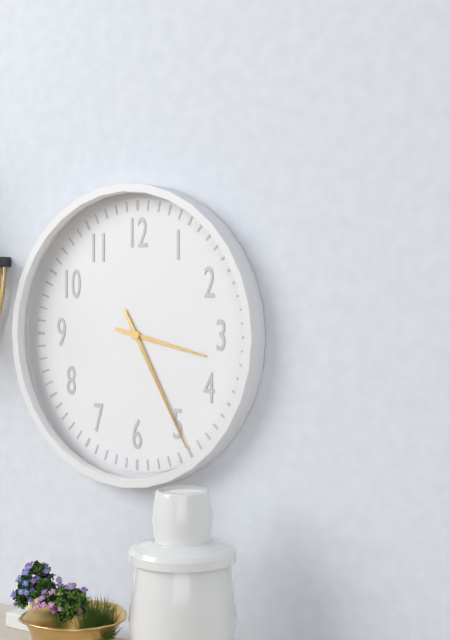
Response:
h=3 m=25
